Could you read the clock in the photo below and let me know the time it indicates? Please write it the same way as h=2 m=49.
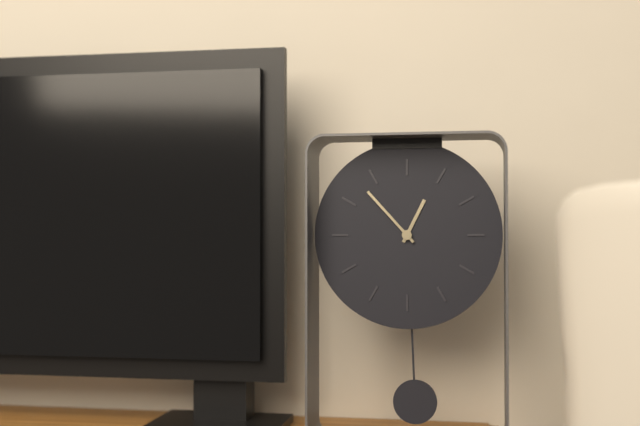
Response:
h=12 m=53
